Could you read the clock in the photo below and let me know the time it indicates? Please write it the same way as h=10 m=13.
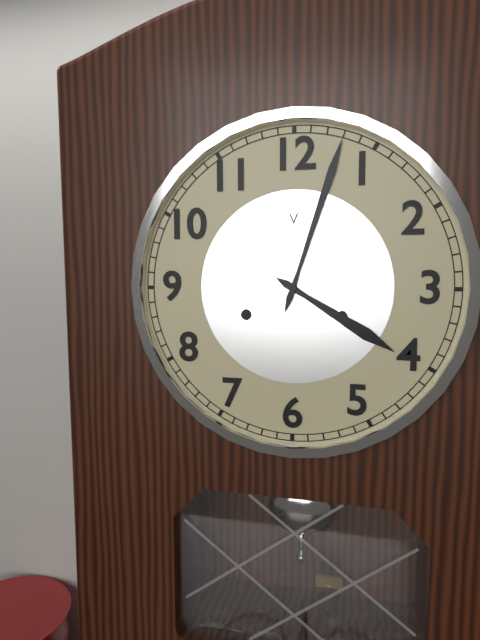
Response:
h=4 m=3
